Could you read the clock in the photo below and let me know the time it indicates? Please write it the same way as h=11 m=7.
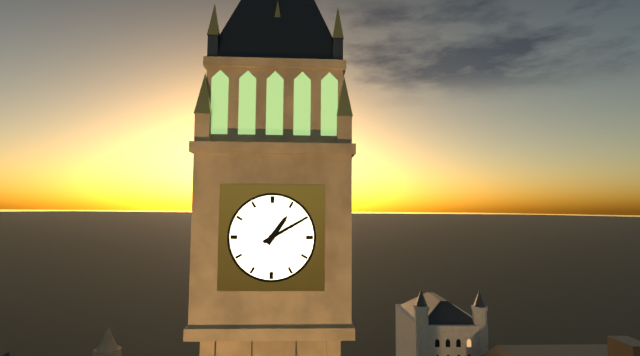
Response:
h=1 m=10
